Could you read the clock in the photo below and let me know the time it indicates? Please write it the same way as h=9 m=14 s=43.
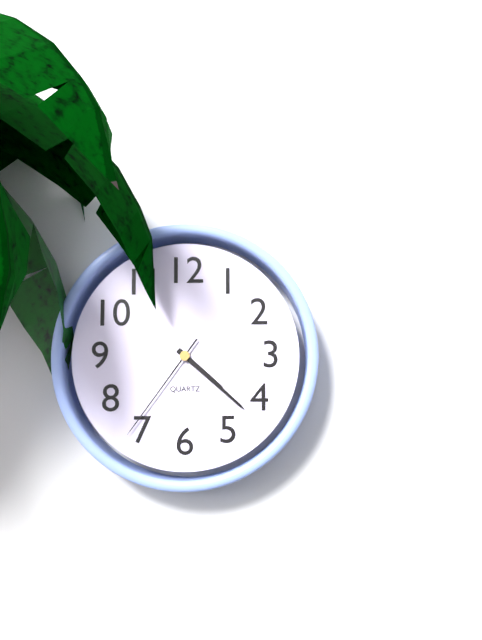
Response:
h=4 m=22 s=36
